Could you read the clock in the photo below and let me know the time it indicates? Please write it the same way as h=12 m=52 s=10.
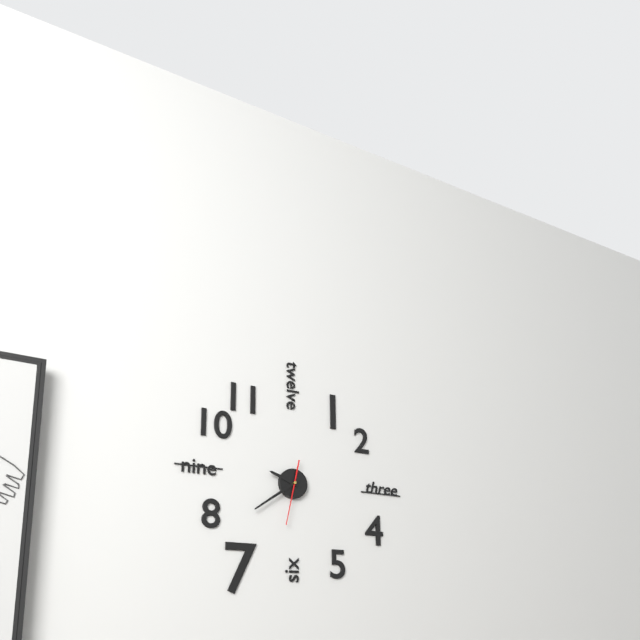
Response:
h=9 m=39 s=32
